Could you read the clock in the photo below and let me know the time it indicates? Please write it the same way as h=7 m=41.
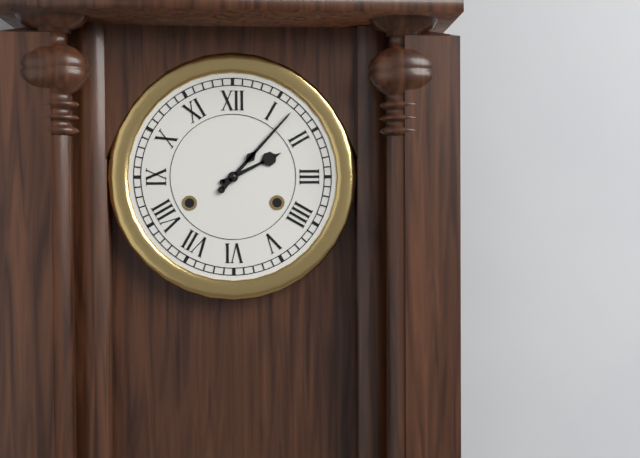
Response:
h=2 m=7
